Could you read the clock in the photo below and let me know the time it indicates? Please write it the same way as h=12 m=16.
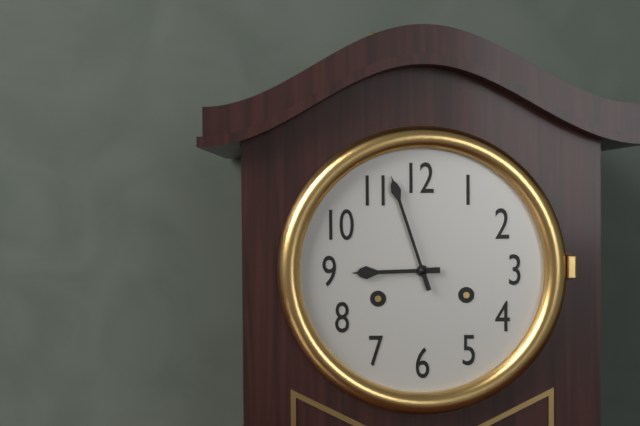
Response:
h=8 m=57
